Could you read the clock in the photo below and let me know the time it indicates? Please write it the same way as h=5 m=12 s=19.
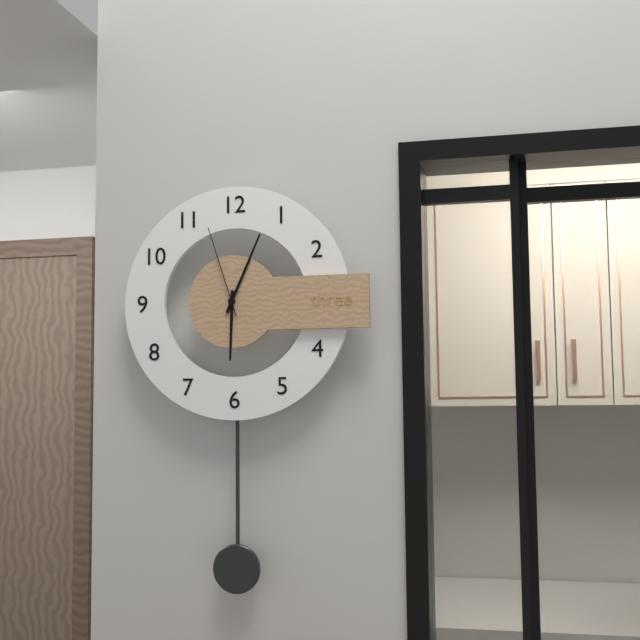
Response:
h=6 m=4 s=57
